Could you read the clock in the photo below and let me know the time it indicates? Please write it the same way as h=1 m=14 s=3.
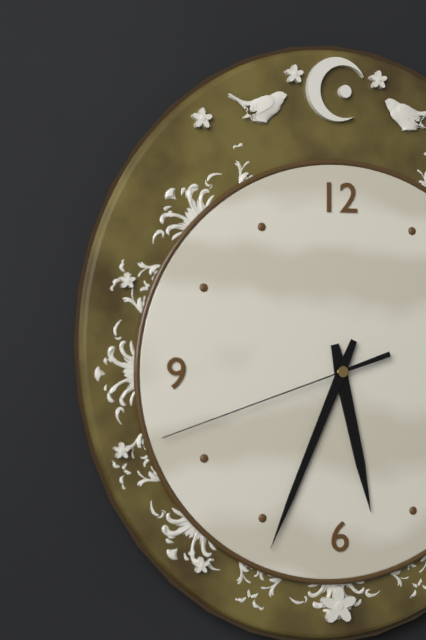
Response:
h=5 m=34 s=42
